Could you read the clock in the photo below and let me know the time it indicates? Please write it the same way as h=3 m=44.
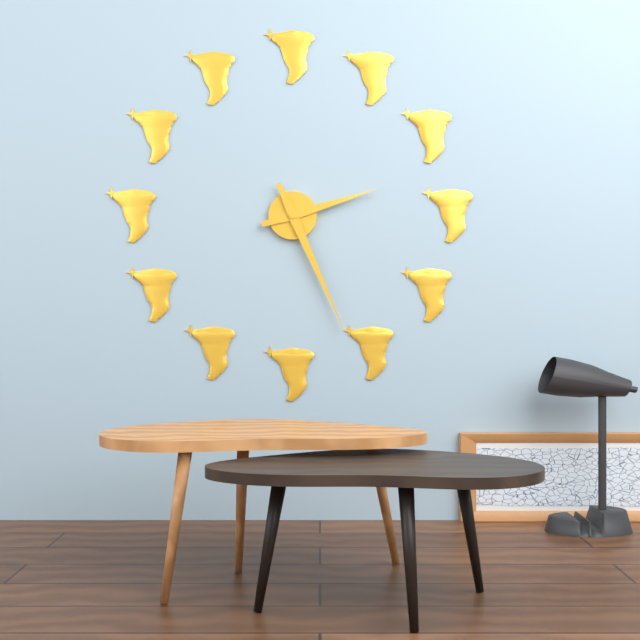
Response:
h=2 m=26
